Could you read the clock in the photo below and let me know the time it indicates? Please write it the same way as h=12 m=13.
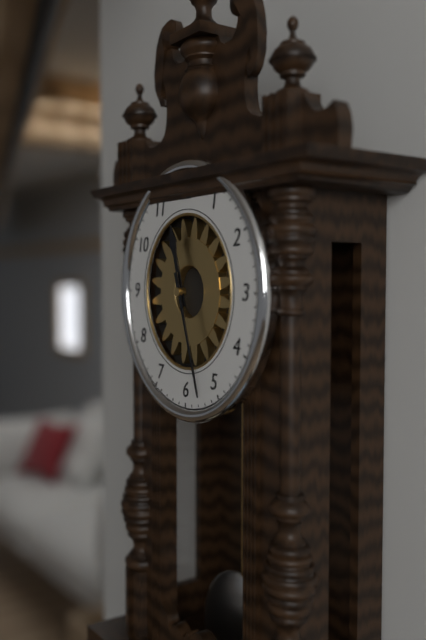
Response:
h=11 m=27
